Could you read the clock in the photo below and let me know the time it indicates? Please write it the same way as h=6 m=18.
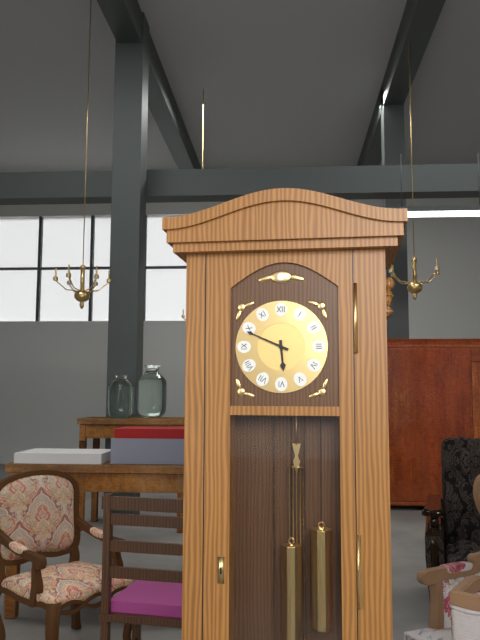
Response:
h=5 m=49
